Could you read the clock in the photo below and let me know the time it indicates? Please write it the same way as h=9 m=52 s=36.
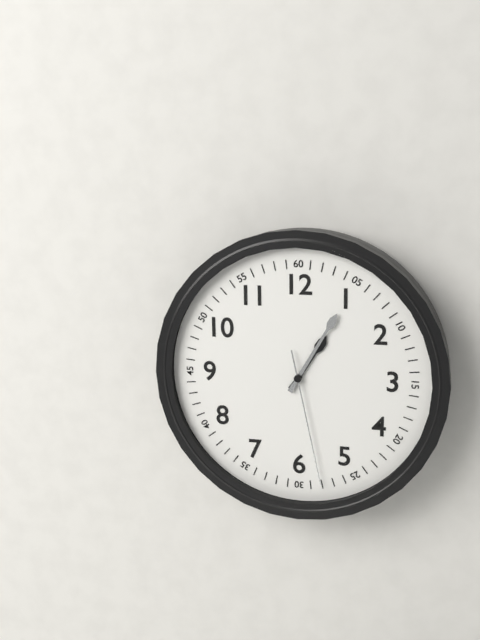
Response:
h=1 m=5 s=28
